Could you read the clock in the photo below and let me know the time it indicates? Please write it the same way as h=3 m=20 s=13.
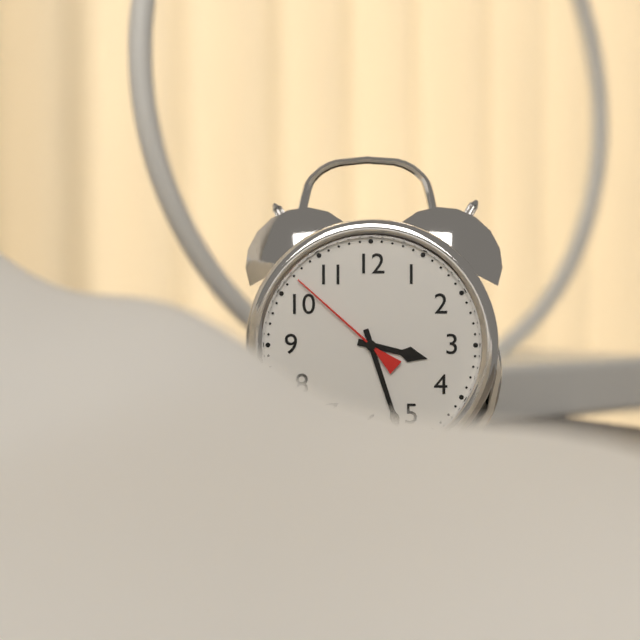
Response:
h=3 m=27 s=52
